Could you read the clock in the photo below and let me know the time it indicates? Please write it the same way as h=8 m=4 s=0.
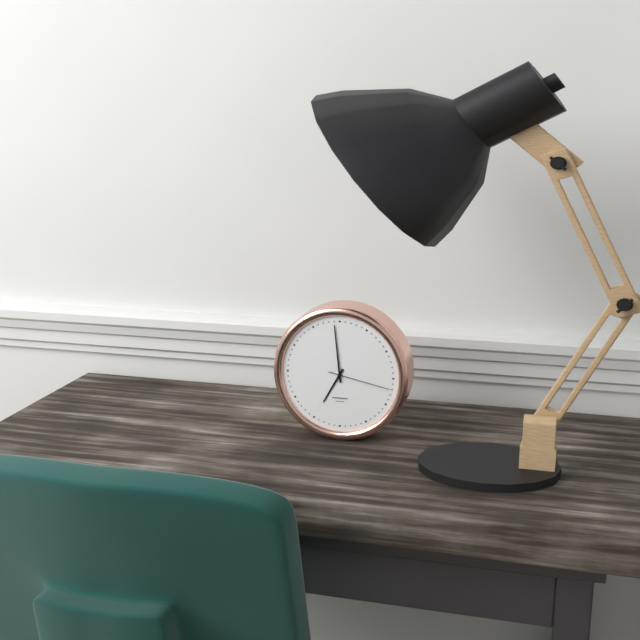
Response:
h=6 m=59 s=17
